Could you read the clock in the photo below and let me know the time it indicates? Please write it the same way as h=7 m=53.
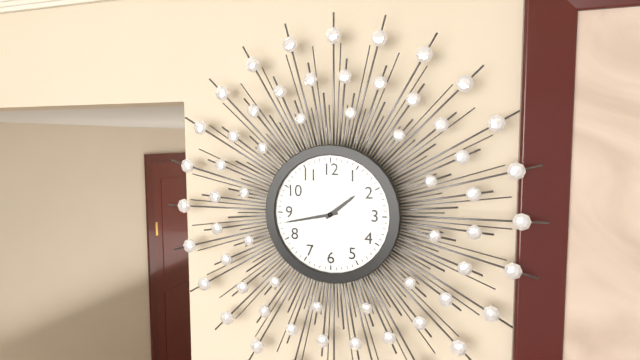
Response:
h=1 m=43
